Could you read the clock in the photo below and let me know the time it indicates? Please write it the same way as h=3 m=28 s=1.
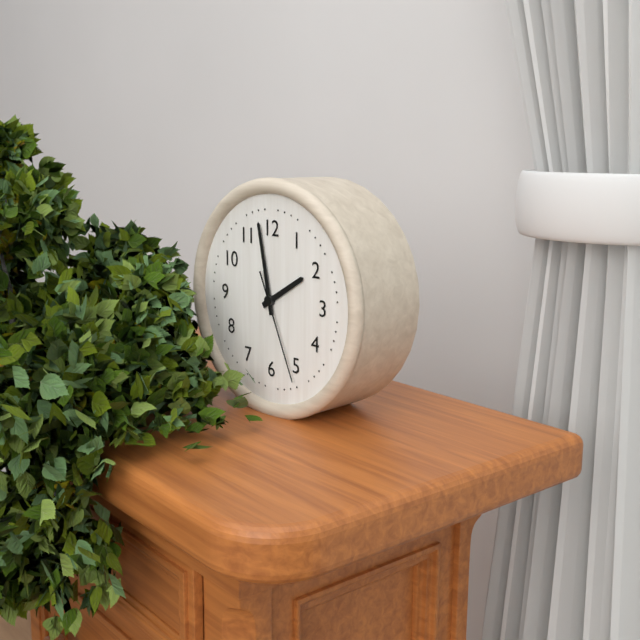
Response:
h=1 m=58 s=26
